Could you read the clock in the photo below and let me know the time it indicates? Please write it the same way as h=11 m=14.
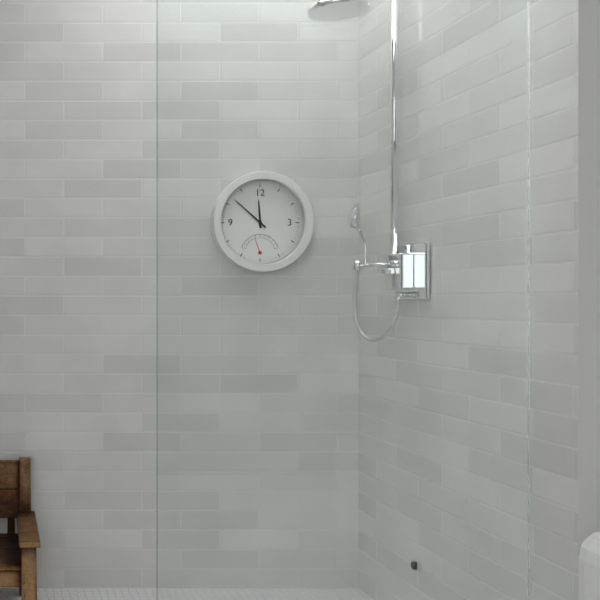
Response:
h=11 m=52
